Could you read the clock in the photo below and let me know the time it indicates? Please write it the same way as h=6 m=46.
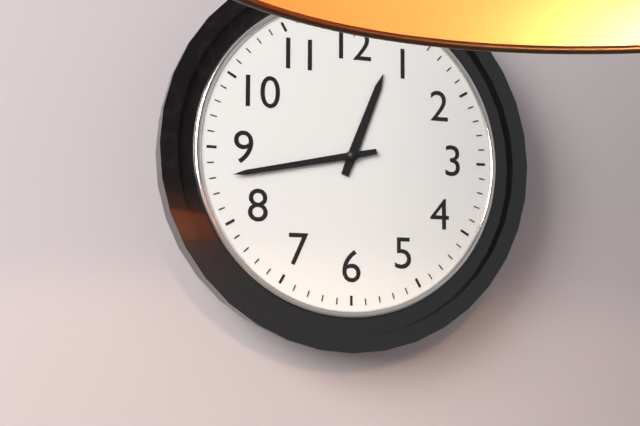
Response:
h=12 m=43
